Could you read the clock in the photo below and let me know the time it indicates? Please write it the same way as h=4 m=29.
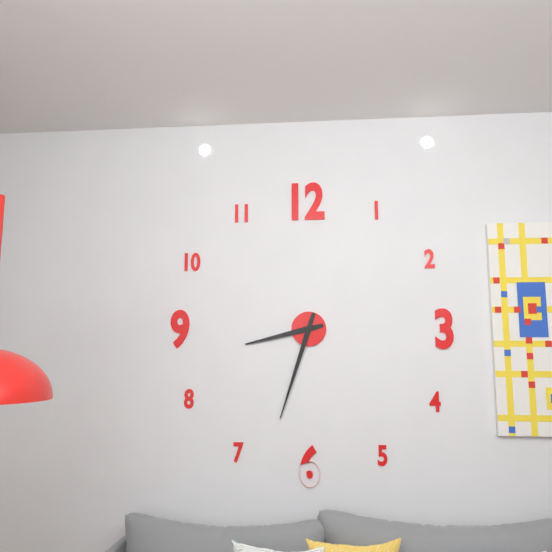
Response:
h=8 m=33
